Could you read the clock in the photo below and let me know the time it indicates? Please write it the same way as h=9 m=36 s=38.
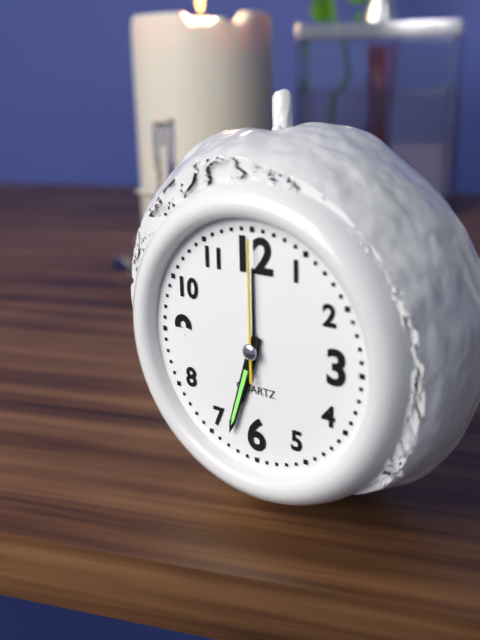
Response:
h=6 m=33 s=0
